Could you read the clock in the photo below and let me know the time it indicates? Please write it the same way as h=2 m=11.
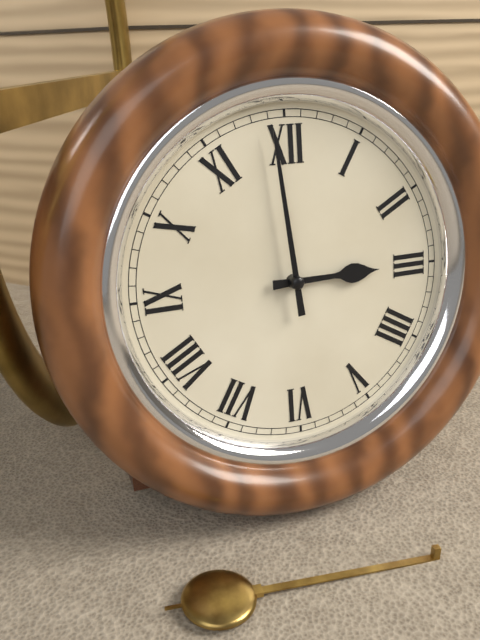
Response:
h=2 m=59
